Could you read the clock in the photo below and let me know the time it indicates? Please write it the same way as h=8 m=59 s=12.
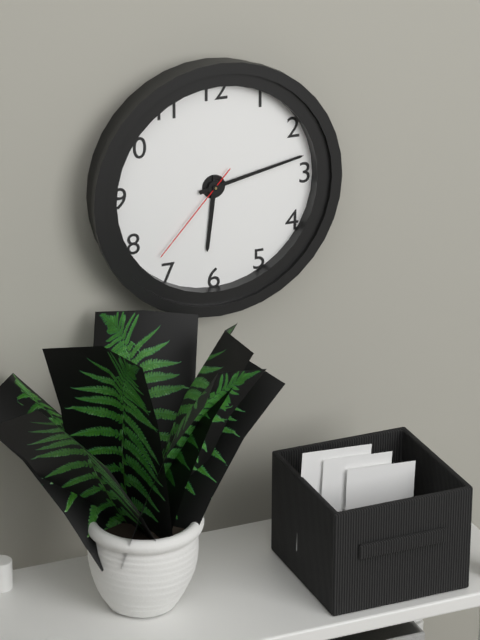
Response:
h=6 m=13 s=37
